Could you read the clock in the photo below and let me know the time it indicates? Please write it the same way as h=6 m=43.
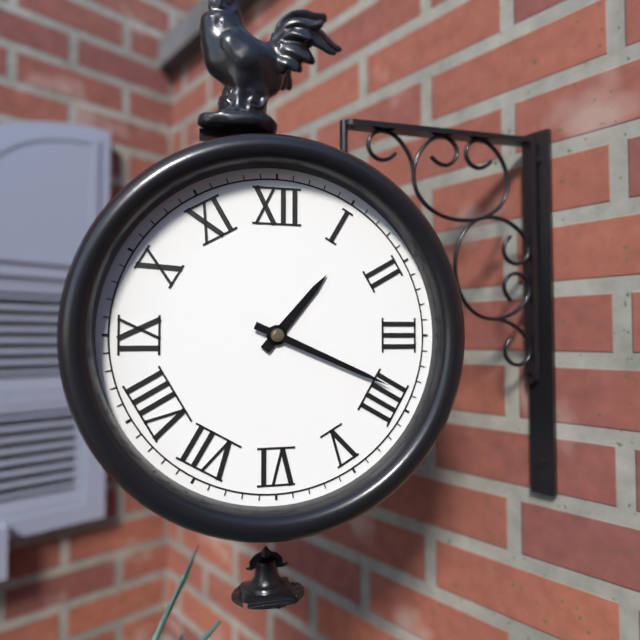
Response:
h=1 m=19
